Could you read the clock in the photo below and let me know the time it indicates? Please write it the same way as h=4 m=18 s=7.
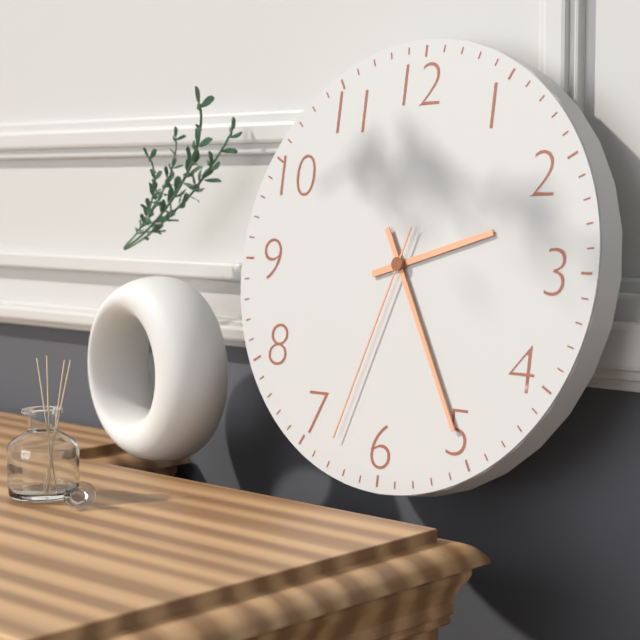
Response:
h=2 m=25 s=33
